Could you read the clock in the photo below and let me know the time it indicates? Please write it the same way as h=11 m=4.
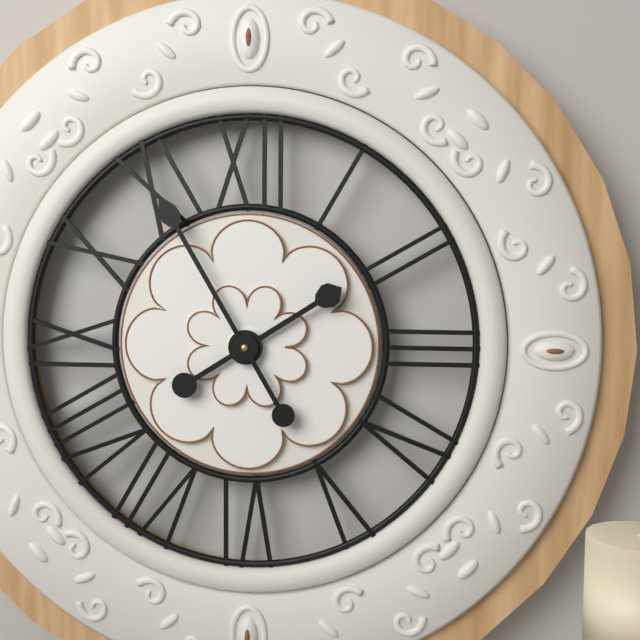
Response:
h=1 m=55
